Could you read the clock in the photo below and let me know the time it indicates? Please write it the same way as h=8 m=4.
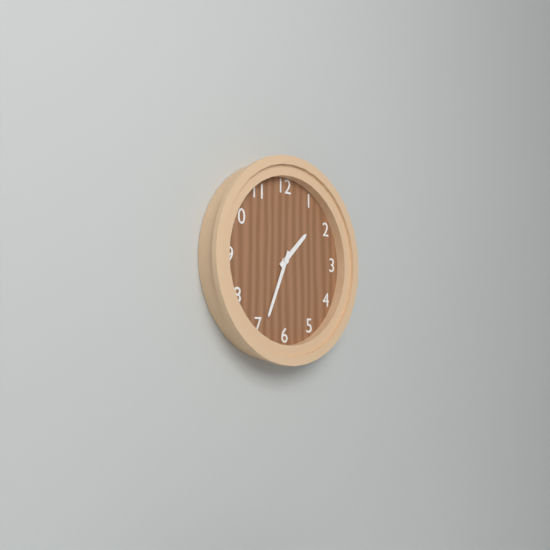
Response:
h=1 m=34
